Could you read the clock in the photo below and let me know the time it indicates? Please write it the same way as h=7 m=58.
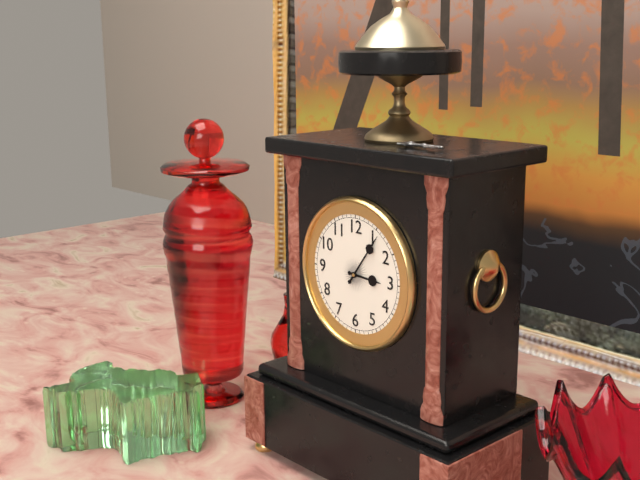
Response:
h=3 m=6
